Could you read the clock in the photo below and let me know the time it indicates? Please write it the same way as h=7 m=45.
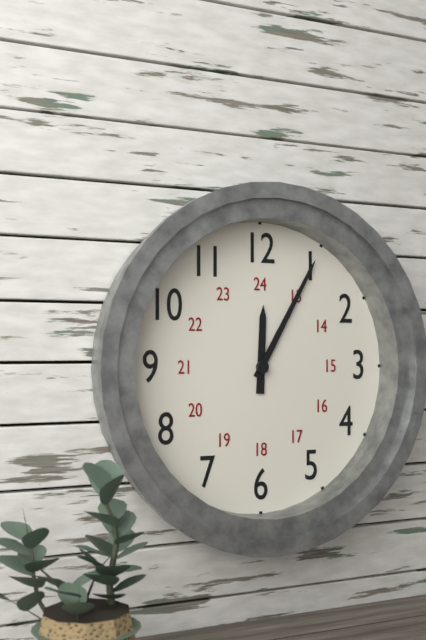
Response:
h=12 m=5
